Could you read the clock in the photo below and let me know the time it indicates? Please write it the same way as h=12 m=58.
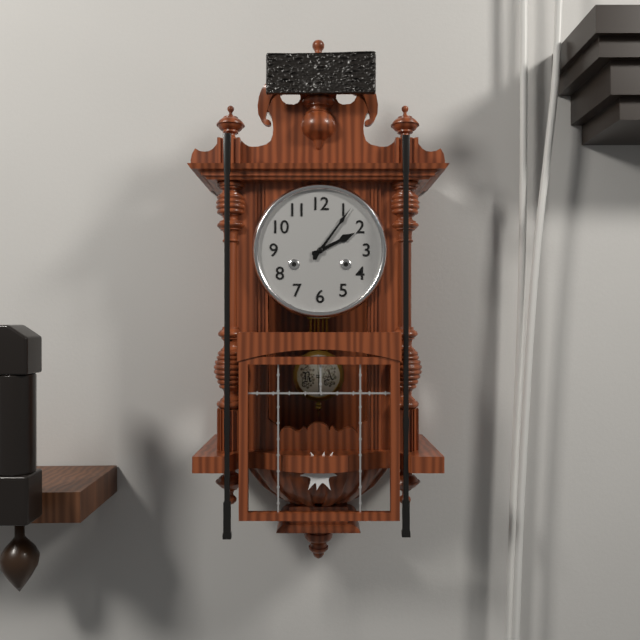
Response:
h=2 m=6
